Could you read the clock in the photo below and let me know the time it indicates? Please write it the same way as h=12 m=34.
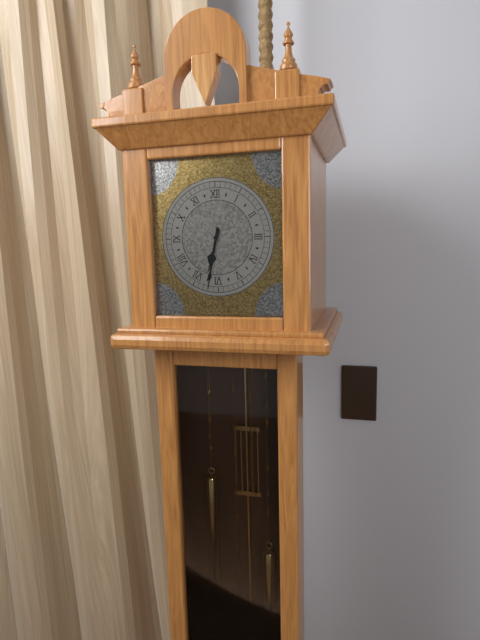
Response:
h=6 m=32
